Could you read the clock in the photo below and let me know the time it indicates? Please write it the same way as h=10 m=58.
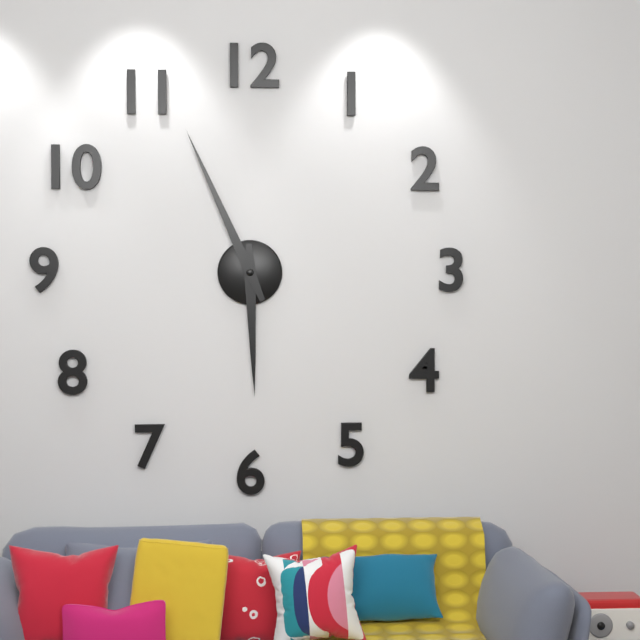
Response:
h=5 m=56
